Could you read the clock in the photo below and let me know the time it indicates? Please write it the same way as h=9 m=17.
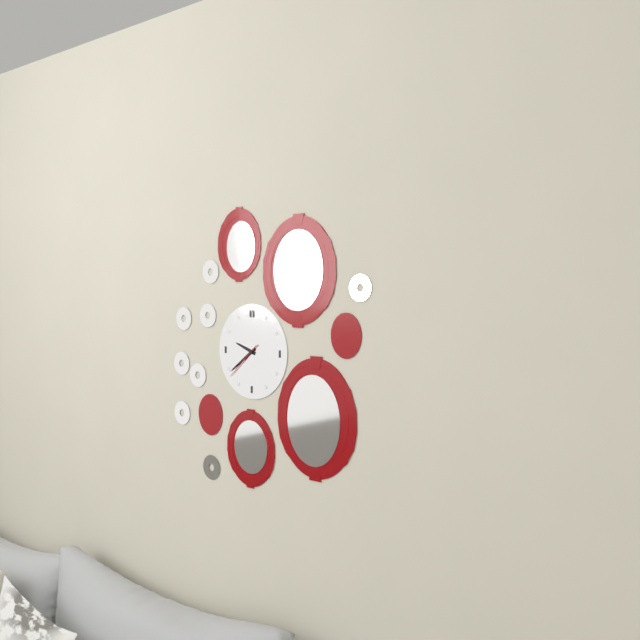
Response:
h=9 m=39
